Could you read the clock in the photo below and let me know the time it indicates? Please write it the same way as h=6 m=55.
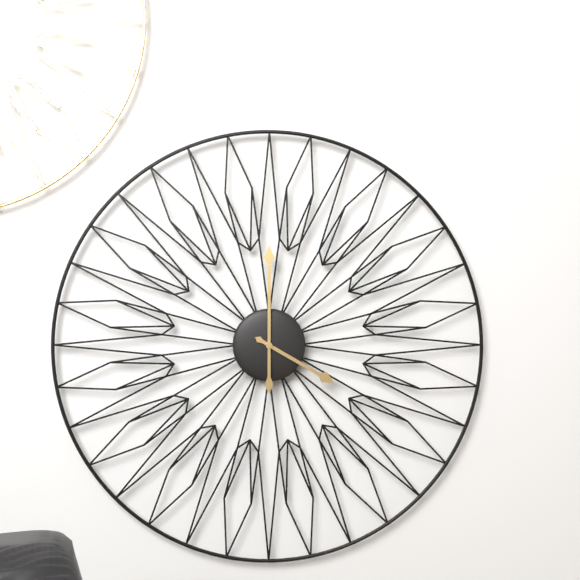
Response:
h=4 m=0
